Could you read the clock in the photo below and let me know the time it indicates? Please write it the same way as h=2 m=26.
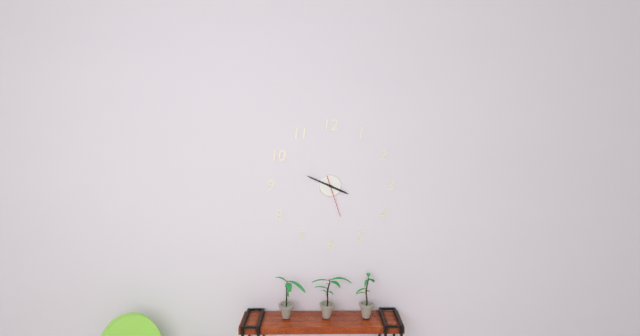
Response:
h=3 m=49
